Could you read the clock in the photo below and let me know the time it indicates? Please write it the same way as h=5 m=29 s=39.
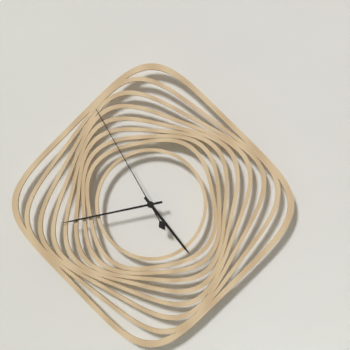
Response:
h=4 m=43 s=55
